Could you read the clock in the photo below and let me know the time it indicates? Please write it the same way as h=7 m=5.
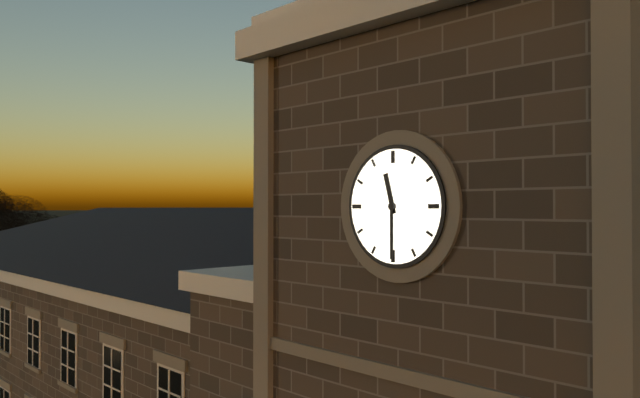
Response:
h=11 m=30
